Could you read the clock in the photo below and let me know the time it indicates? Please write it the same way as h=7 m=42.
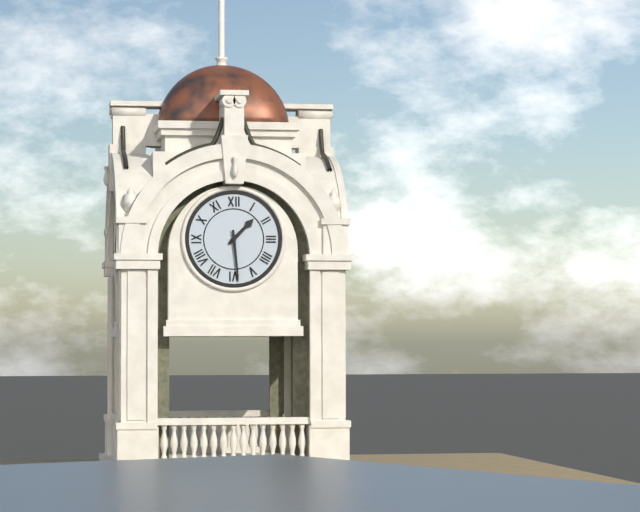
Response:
h=1 m=29
